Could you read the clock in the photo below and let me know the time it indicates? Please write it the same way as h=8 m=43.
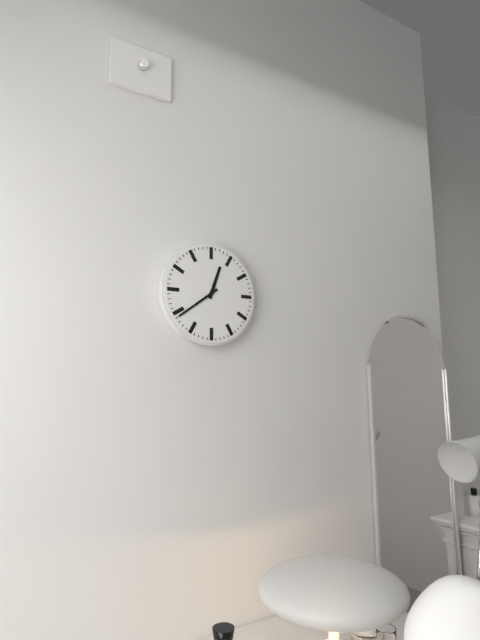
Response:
h=12 m=39
